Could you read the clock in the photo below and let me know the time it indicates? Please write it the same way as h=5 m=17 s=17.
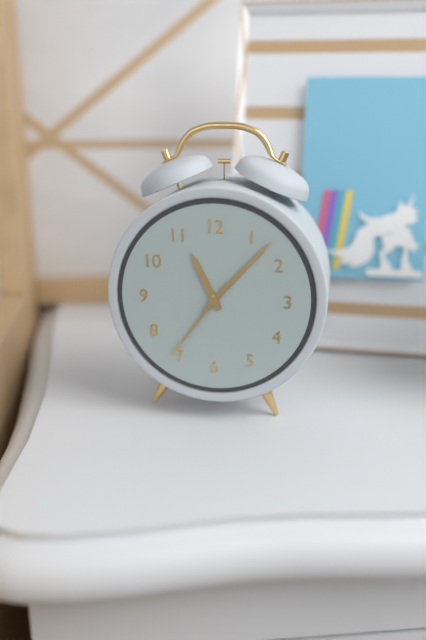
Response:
h=11 m=7 s=36
